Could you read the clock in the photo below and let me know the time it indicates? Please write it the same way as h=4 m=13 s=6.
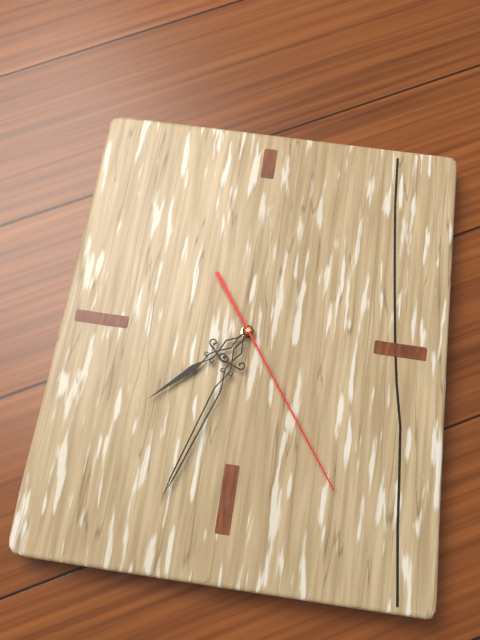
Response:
h=7 m=33 s=24
